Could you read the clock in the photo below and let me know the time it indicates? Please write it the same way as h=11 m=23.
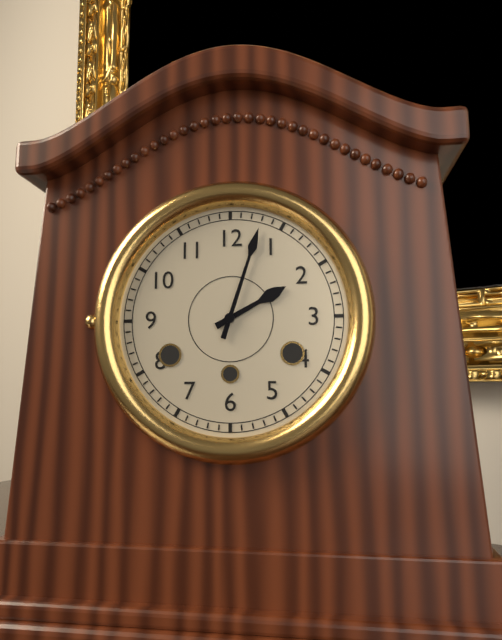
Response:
h=2 m=3
